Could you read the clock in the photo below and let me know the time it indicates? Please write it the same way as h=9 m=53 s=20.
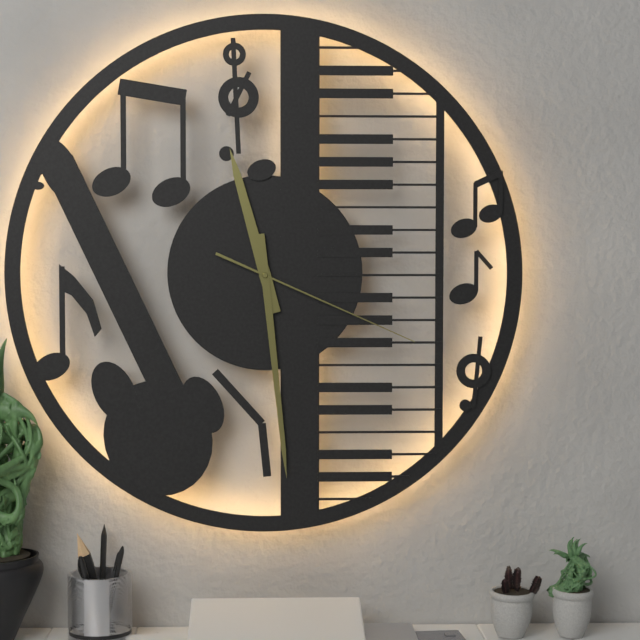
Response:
h=11 m=29 s=19
